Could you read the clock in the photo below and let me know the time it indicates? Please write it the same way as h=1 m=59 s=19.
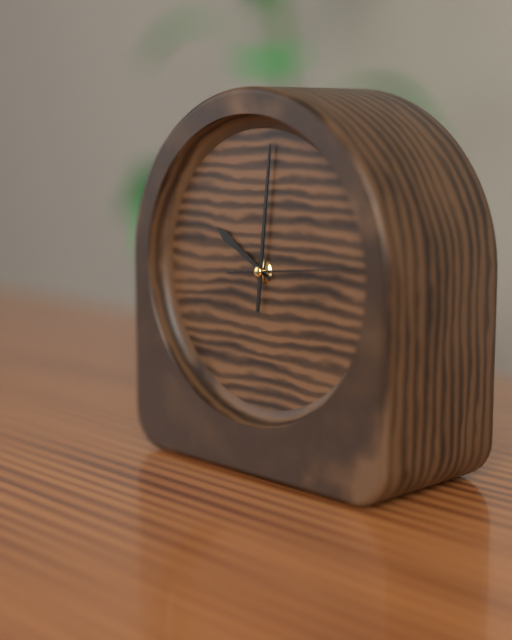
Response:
h=10 m=1 s=14
